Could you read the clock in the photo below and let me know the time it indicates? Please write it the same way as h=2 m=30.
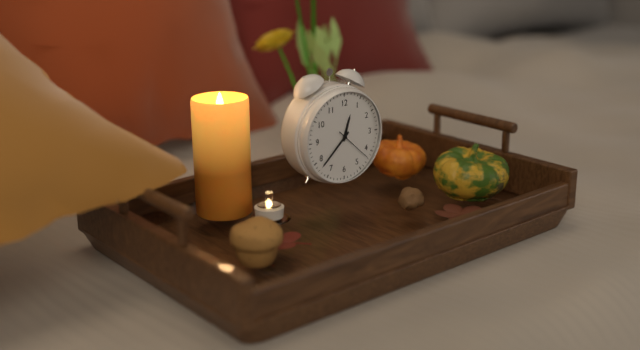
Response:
h=12 m=38
